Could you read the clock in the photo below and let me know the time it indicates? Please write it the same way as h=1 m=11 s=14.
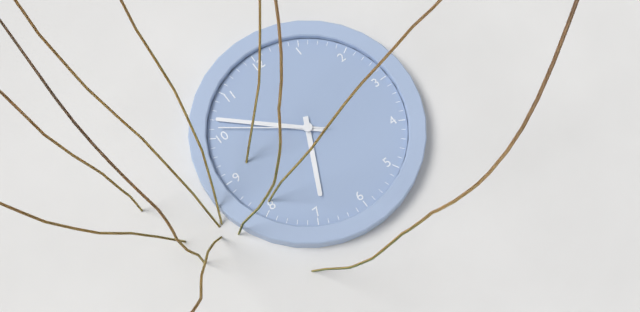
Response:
h=6 m=52 s=51
